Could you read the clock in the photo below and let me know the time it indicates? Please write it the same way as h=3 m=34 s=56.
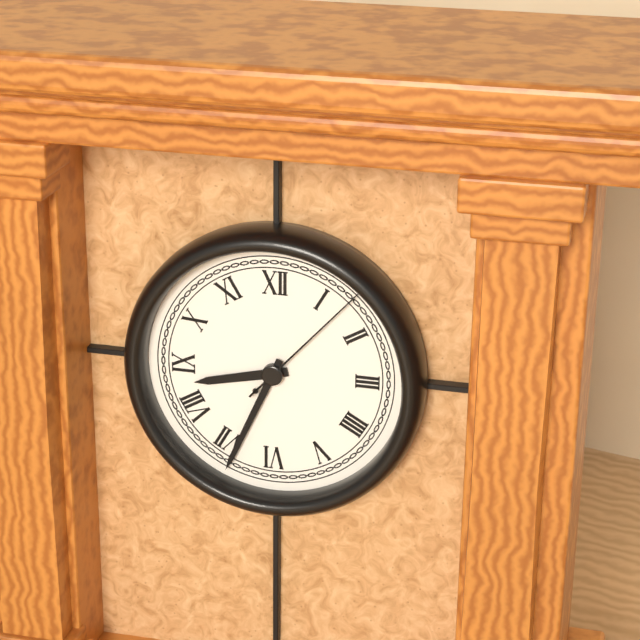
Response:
h=8 m=34 s=7
